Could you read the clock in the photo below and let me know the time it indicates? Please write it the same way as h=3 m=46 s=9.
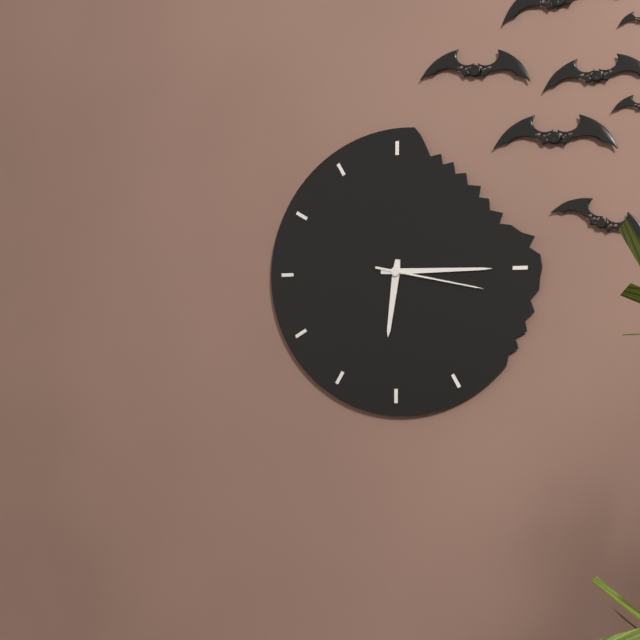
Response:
h=6 m=15 s=17
